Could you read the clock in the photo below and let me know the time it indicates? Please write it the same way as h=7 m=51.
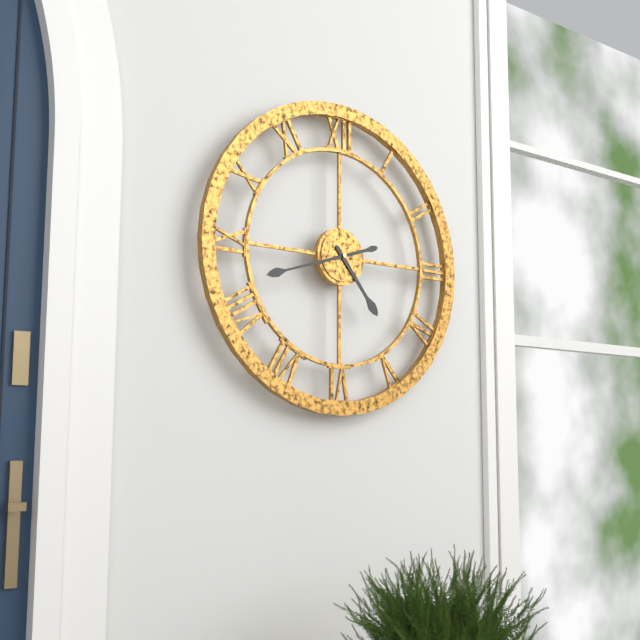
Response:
h=4 m=42
